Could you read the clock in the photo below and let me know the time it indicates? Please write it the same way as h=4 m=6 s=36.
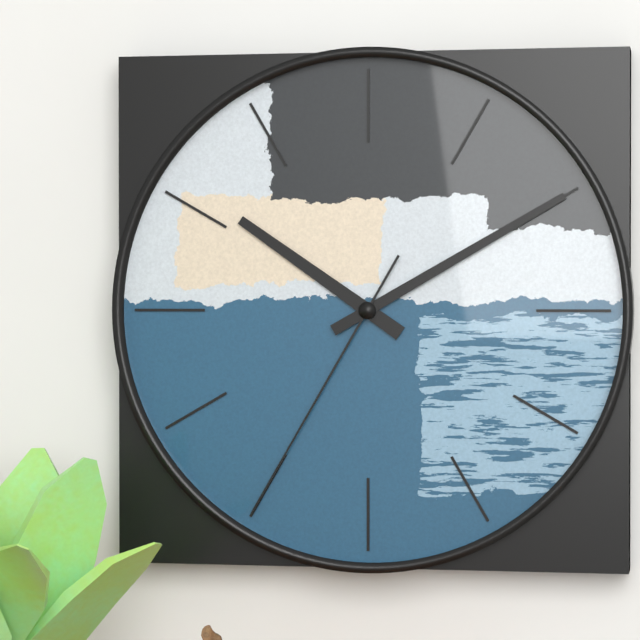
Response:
h=10 m=10 s=35
